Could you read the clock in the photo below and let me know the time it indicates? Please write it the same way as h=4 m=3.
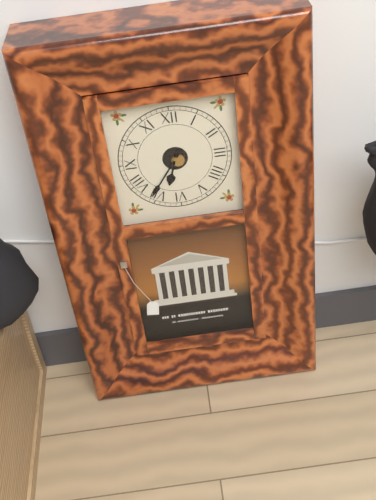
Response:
h=6 m=36
